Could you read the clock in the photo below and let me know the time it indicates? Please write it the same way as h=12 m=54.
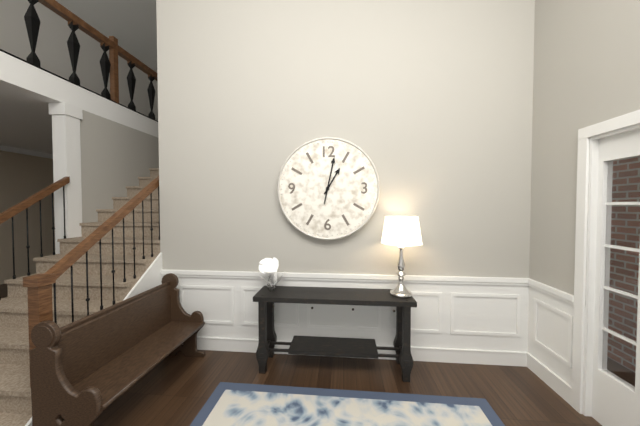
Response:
h=1 m=2
